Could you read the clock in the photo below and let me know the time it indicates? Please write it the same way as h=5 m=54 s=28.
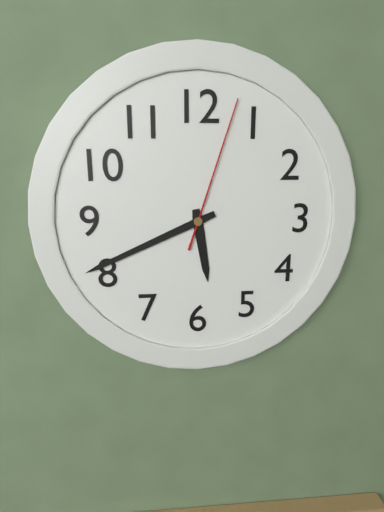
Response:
h=5 m=41 s=3
